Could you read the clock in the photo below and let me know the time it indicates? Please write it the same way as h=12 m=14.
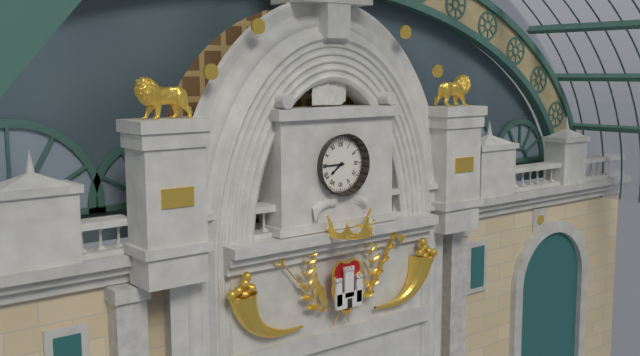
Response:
h=7 m=45
